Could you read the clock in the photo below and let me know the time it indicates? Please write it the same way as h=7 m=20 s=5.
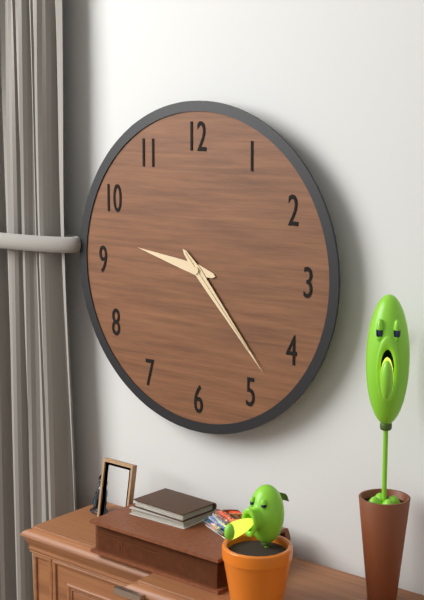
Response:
h=9 m=23 s=23
